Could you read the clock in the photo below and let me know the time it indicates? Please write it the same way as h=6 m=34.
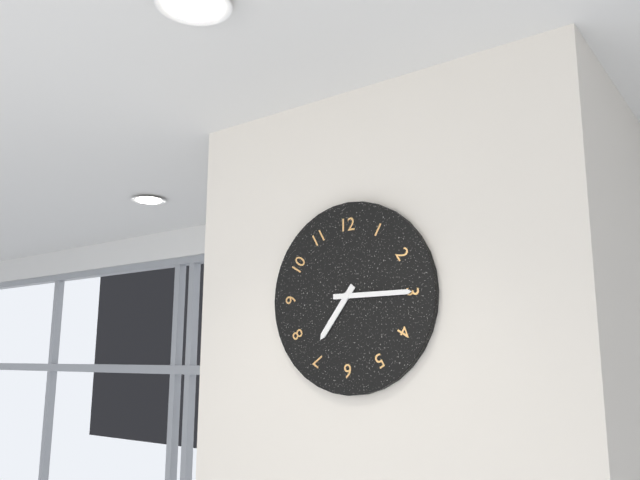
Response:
h=7 m=15
